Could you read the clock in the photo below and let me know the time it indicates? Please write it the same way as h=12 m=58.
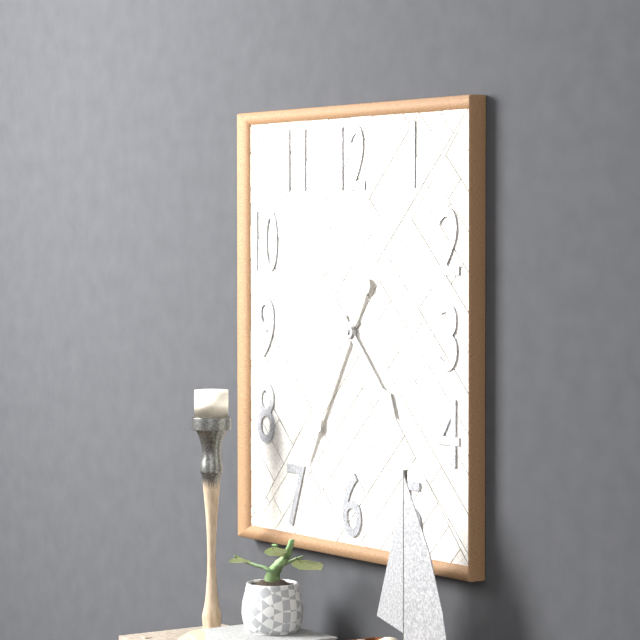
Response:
h=4 m=35
